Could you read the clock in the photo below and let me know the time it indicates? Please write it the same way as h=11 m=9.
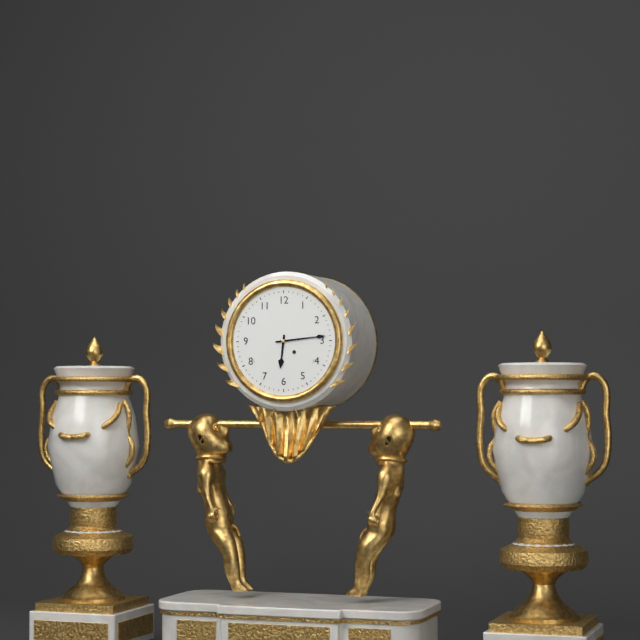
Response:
h=6 m=14
